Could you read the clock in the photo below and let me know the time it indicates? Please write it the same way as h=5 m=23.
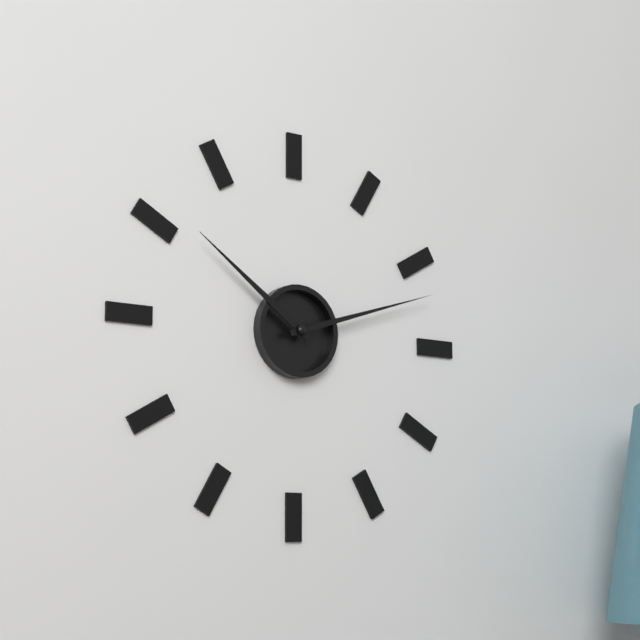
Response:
h=10 m=12
